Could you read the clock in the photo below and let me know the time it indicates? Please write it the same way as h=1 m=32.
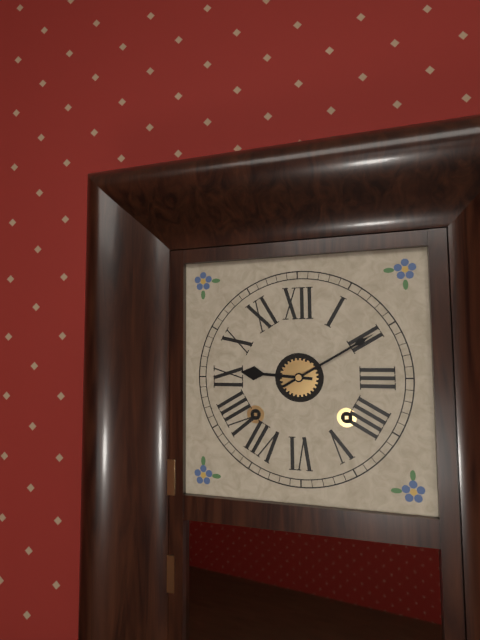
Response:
h=9 m=10
